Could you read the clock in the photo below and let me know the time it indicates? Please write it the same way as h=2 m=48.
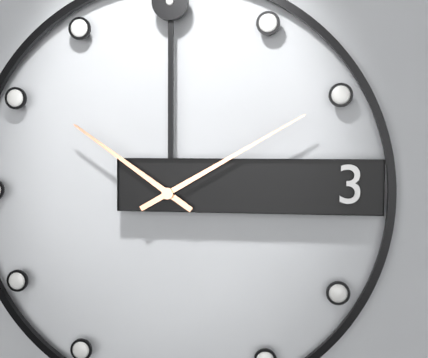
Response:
h=10 m=10
